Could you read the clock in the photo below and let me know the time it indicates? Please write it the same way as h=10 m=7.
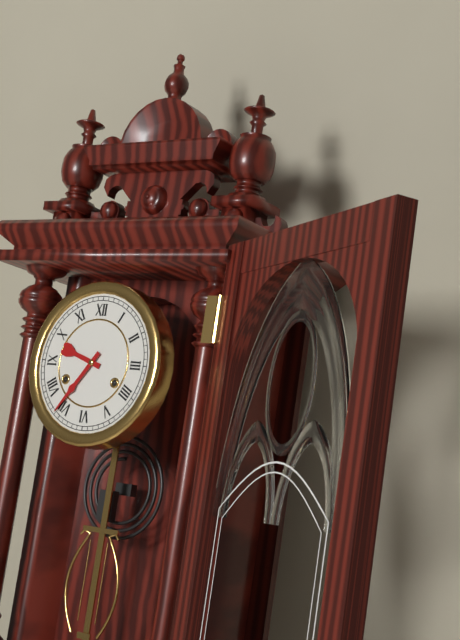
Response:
h=9 m=36
